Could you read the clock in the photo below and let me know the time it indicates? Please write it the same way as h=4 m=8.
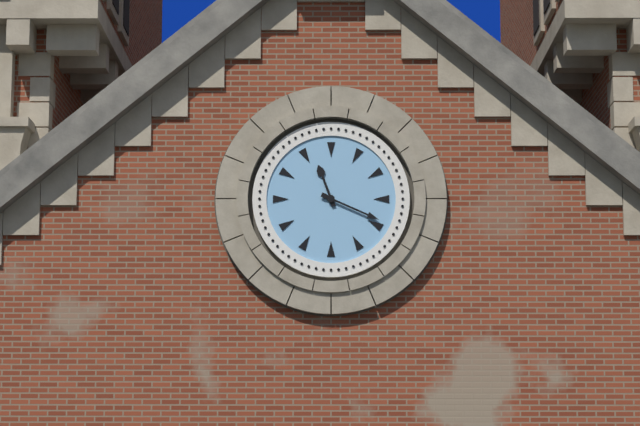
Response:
h=11 m=19
